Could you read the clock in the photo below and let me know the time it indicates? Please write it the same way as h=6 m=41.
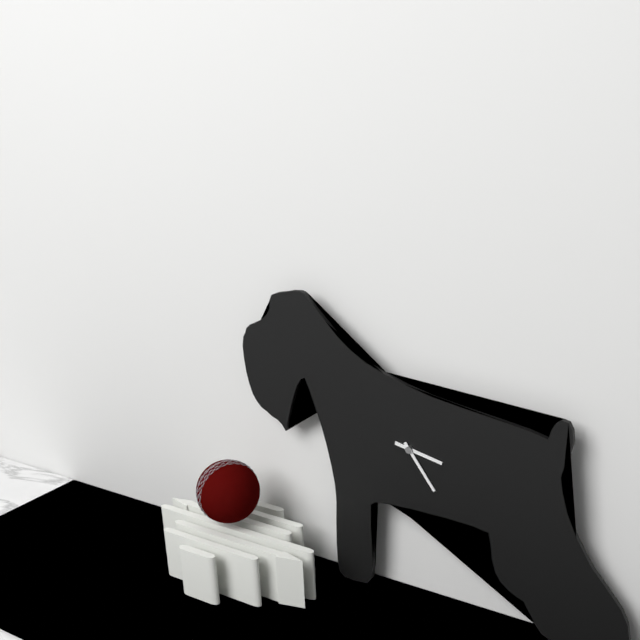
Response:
h=3 m=24
